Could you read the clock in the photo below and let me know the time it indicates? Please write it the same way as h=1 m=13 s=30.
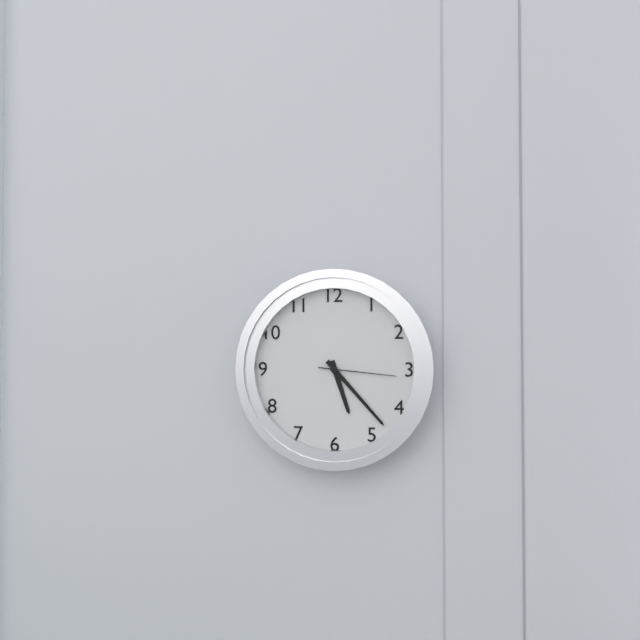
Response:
h=5 m=23 s=16
